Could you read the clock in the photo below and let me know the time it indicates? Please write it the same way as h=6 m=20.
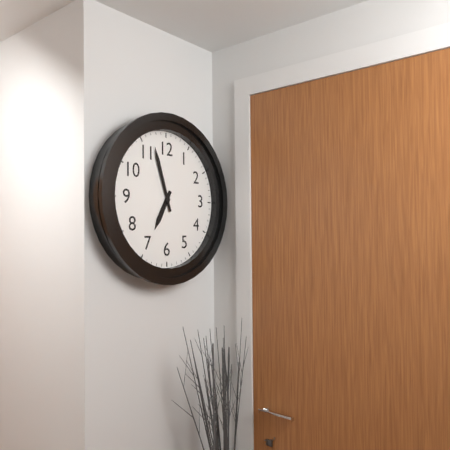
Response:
h=6 m=57
